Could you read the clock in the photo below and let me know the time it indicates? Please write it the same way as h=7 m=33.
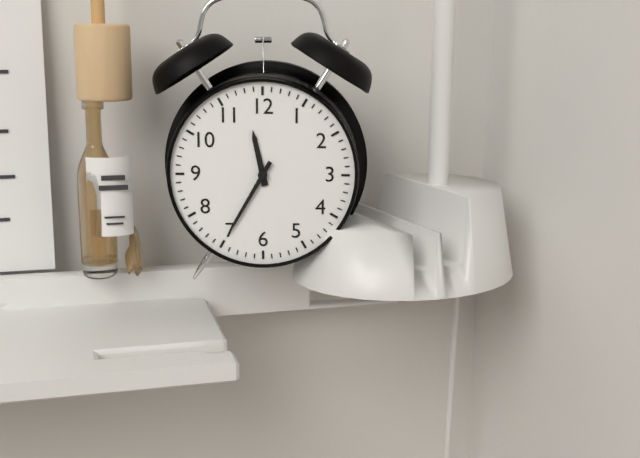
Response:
h=11 m=35
